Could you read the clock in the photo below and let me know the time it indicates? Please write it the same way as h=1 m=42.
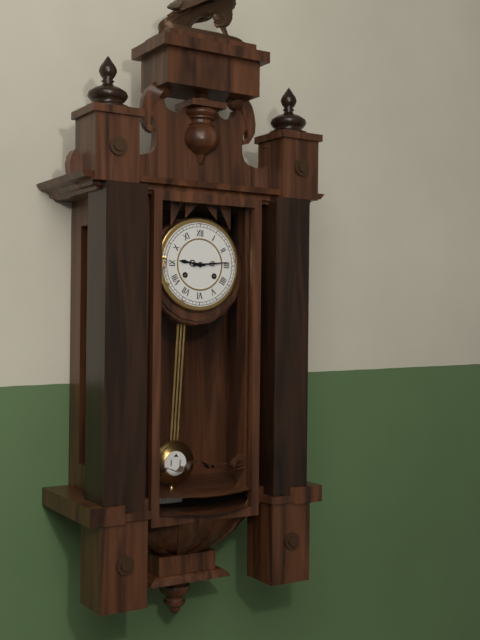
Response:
h=9 m=14
